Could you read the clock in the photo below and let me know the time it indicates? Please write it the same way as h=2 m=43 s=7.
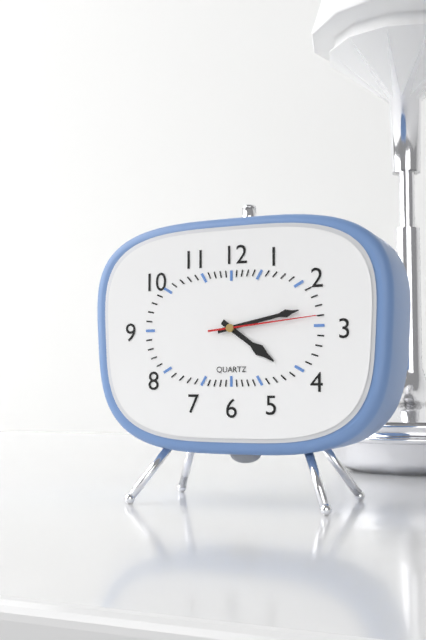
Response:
h=4 m=13 s=14
